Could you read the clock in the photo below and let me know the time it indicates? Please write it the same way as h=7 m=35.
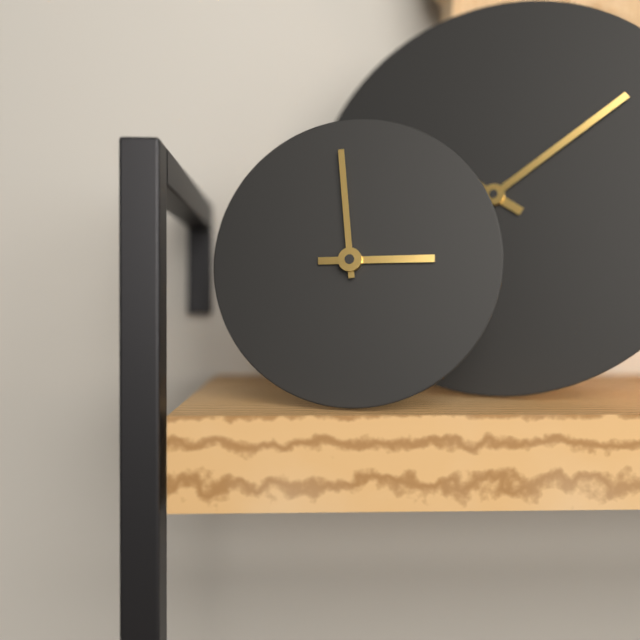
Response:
h=2 m=59
